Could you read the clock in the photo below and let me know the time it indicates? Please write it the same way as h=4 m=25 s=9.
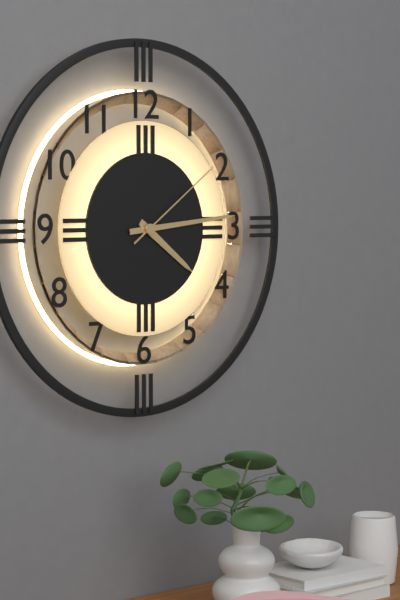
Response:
h=4 m=14 s=9
